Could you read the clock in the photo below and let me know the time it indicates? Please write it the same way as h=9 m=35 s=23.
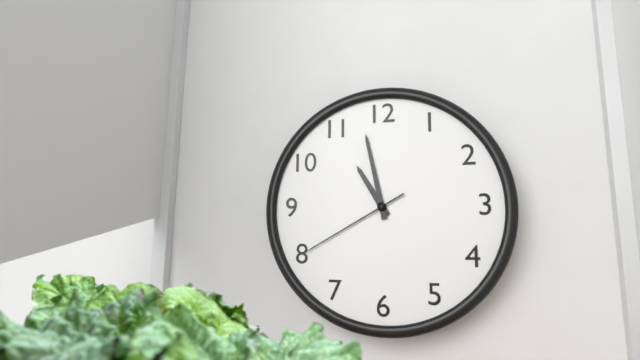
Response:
h=10 m=58 s=40
